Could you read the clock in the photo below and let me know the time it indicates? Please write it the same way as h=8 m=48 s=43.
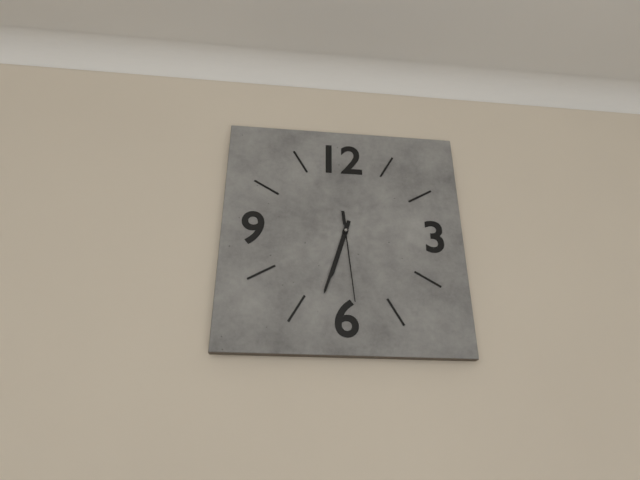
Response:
h=6 m=33 s=29
